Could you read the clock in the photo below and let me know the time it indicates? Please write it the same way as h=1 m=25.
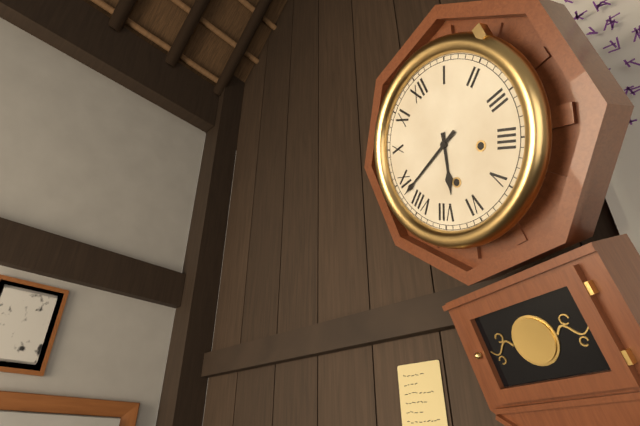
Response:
h=6 m=43
